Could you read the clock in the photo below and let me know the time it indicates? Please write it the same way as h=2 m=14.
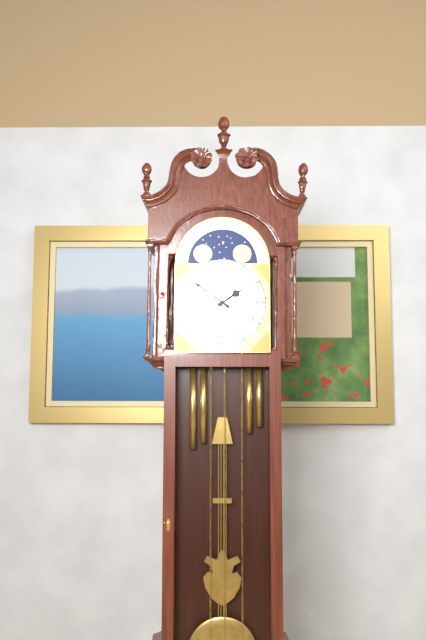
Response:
h=1 m=51
